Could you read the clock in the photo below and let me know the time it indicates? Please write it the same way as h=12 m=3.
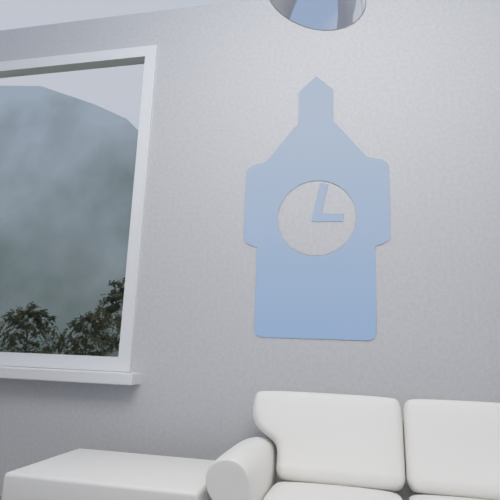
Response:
h=3 m=2
